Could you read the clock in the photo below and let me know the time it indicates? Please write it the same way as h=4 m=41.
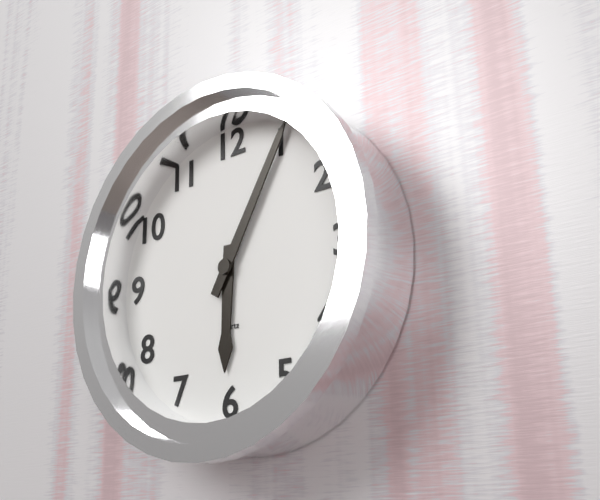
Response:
h=6 m=5
